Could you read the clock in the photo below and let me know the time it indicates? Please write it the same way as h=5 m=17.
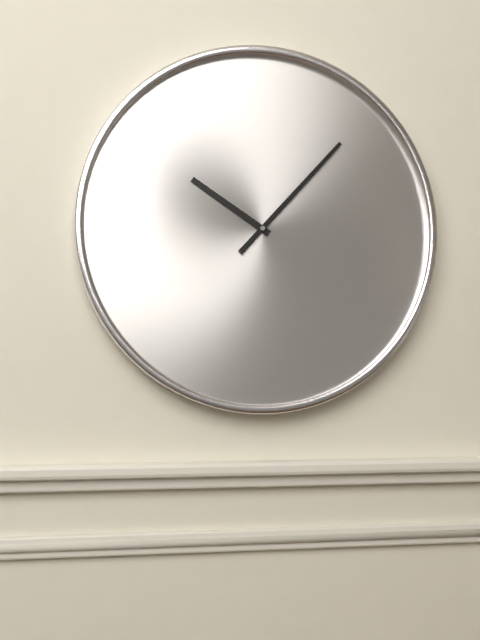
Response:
h=10 m=7
